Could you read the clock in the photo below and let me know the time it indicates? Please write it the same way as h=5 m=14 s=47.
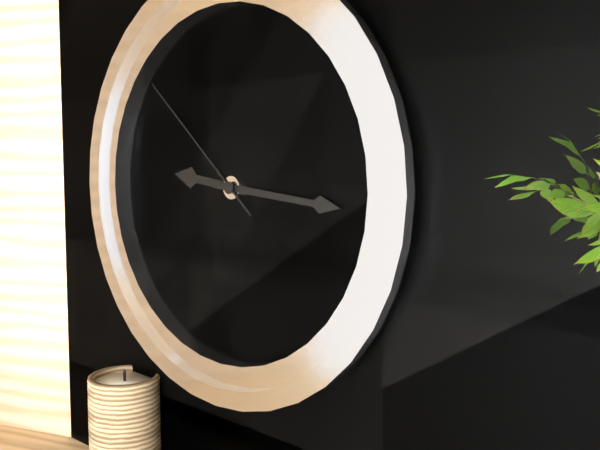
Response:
h=9 m=16 s=52
